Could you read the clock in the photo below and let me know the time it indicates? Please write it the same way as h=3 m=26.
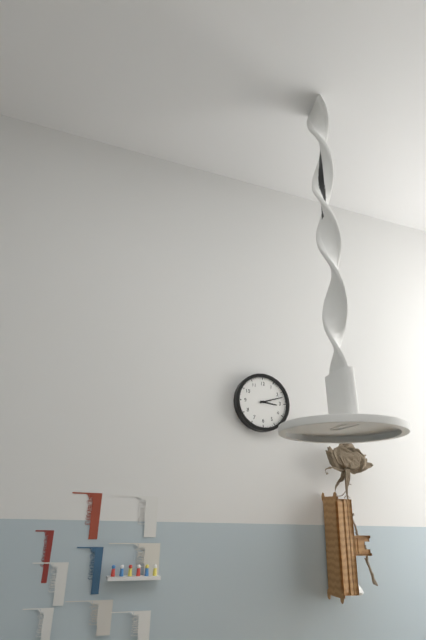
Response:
h=3 m=12
